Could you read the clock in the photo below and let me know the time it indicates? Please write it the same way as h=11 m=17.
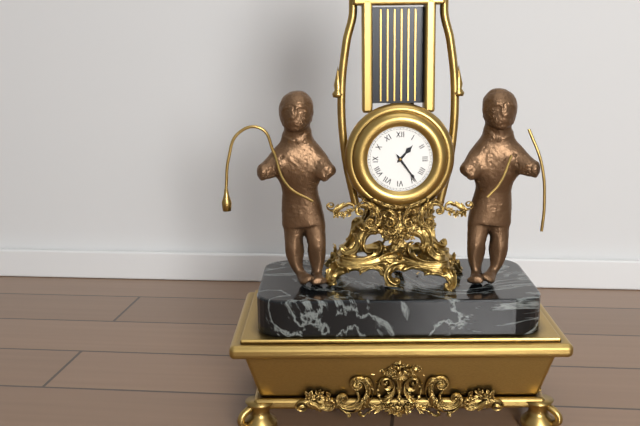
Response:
h=1 m=24
